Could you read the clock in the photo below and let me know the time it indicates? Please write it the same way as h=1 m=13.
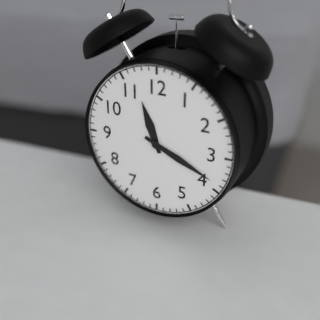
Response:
h=11 m=19
